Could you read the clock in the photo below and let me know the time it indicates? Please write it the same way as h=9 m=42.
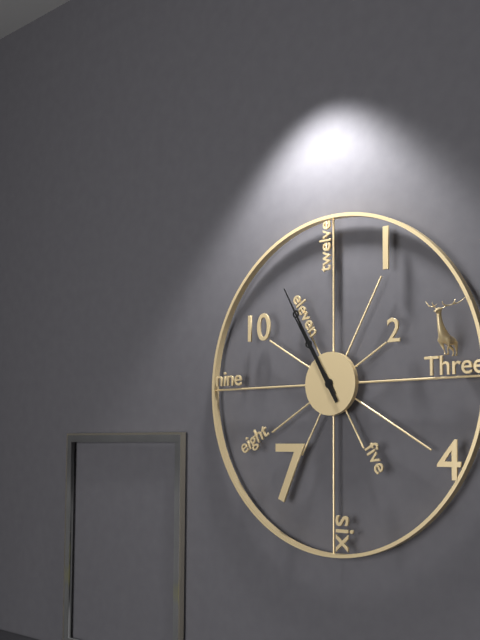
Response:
h=10 m=55
